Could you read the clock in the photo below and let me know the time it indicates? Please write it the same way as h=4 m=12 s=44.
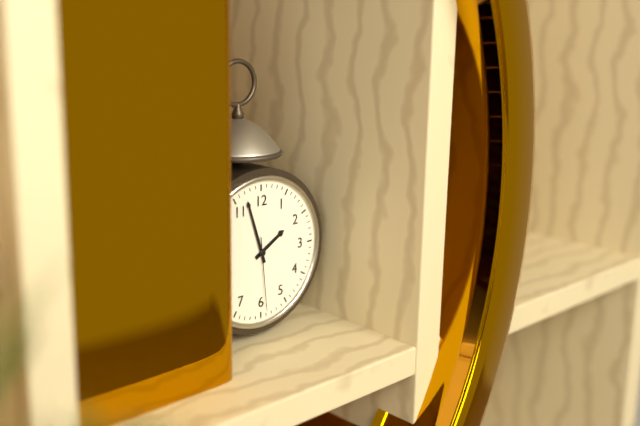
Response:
h=1 m=57 s=29
